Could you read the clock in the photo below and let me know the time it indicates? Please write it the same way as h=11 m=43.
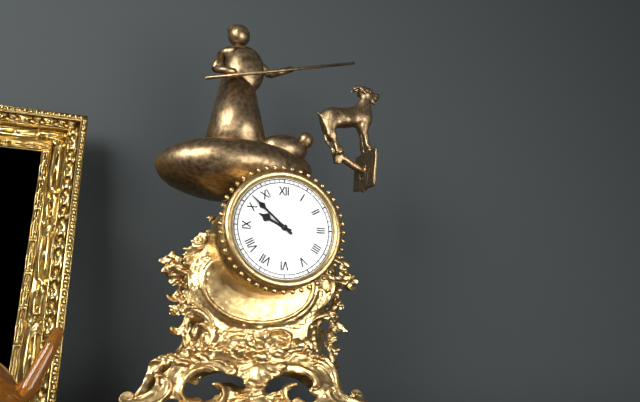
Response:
h=9 m=52
